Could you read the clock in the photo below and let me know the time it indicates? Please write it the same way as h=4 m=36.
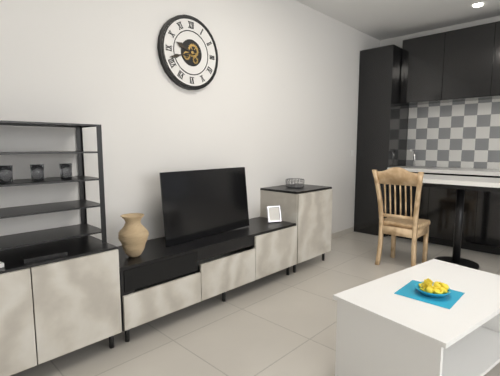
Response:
h=9 m=42
